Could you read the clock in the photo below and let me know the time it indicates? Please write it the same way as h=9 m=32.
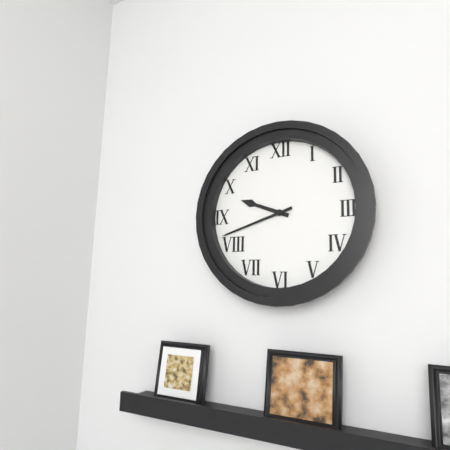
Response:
h=9 m=42
